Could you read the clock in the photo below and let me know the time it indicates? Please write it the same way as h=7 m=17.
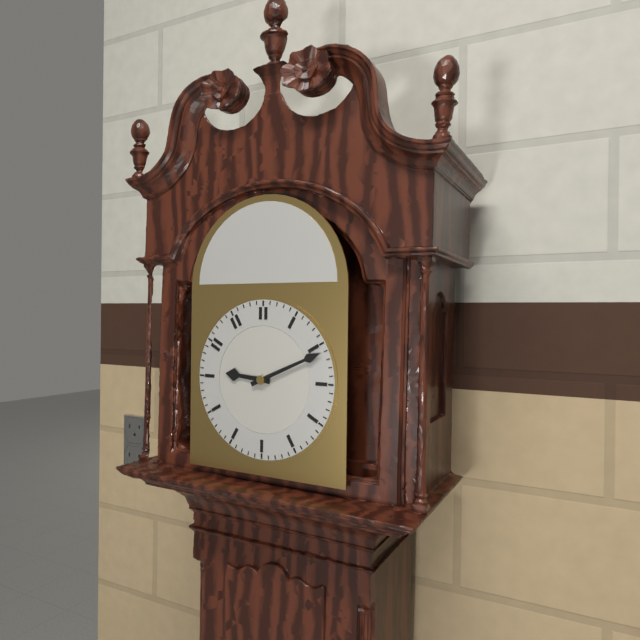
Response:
h=9 m=11
